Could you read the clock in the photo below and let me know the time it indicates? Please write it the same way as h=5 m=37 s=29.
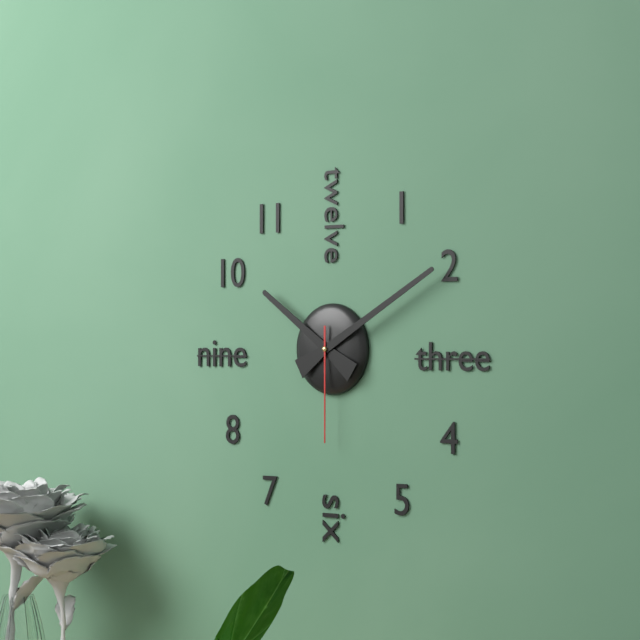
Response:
h=10 m=10 s=30
